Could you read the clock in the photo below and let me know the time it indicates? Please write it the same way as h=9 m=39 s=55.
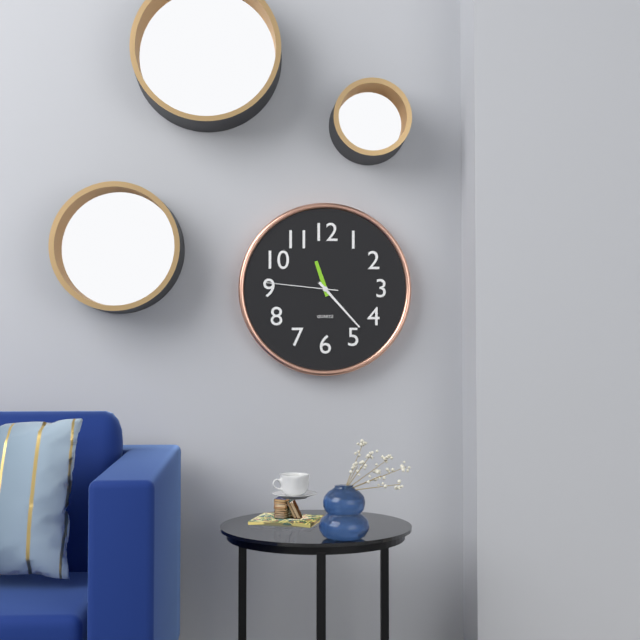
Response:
h=11 m=23 s=46
